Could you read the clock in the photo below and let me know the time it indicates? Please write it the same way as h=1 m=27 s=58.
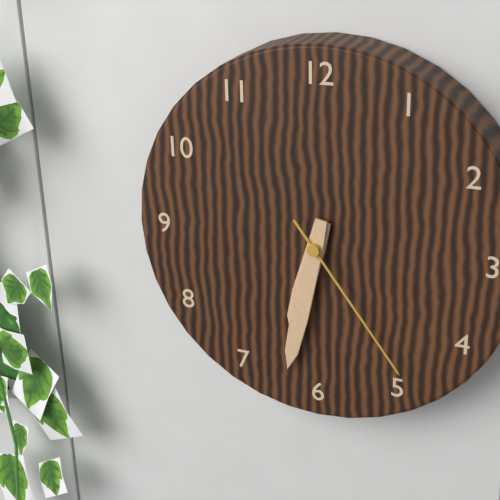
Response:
h=6 m=32 s=24
